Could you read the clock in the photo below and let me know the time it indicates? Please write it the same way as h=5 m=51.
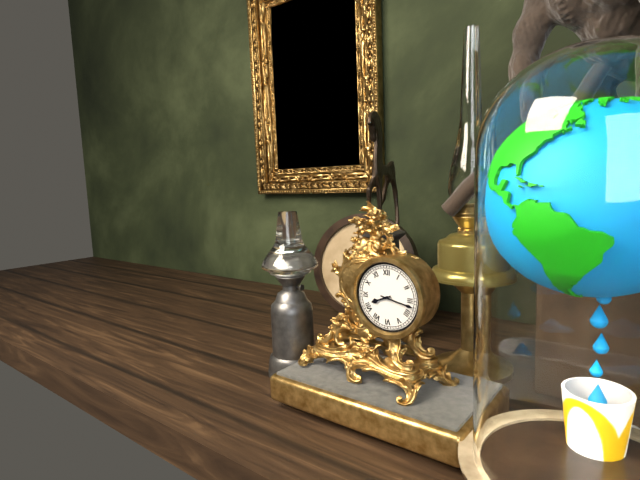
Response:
h=8 m=17
